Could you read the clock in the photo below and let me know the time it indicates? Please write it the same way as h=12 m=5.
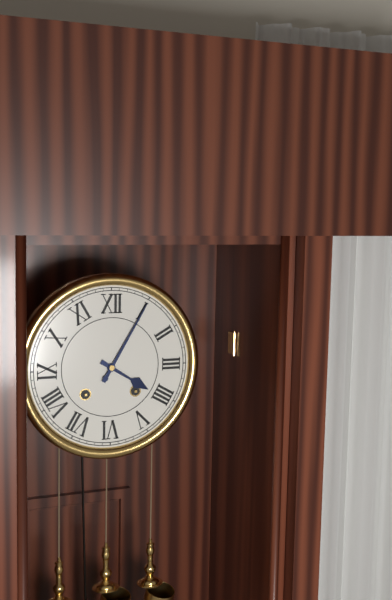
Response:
h=4 m=5
